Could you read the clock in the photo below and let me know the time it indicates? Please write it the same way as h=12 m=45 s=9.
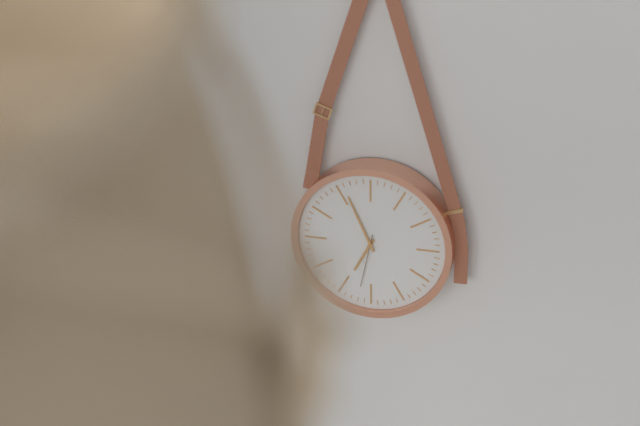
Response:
h=6 m=56 s=32
